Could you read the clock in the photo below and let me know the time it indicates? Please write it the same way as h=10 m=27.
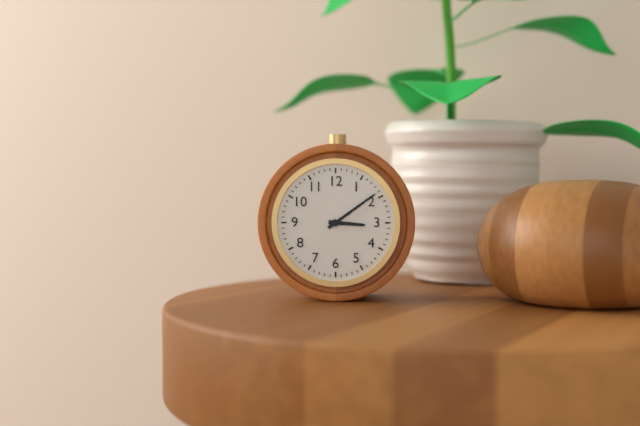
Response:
h=3 m=9
